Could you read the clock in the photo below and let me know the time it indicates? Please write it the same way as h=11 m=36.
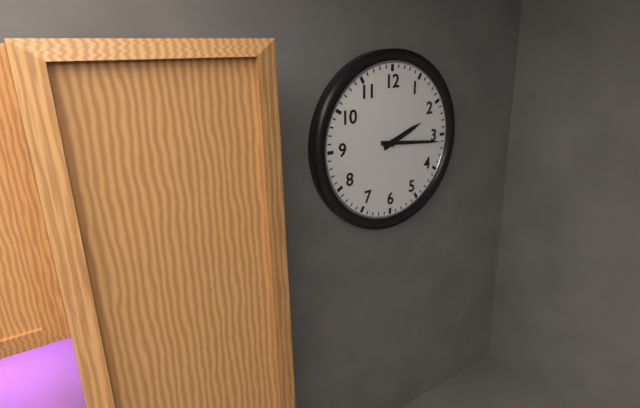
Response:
h=2 m=16
